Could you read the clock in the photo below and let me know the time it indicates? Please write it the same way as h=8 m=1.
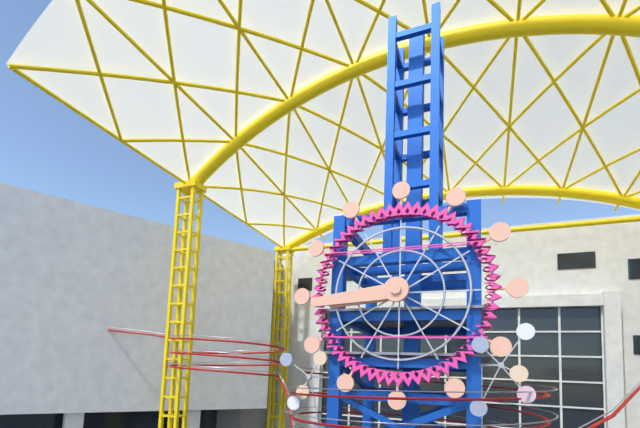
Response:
h=8 m=44
